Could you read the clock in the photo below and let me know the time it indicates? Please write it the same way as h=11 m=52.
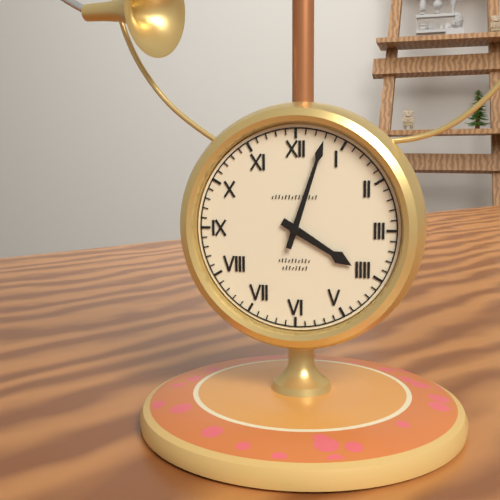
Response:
h=4 m=3
